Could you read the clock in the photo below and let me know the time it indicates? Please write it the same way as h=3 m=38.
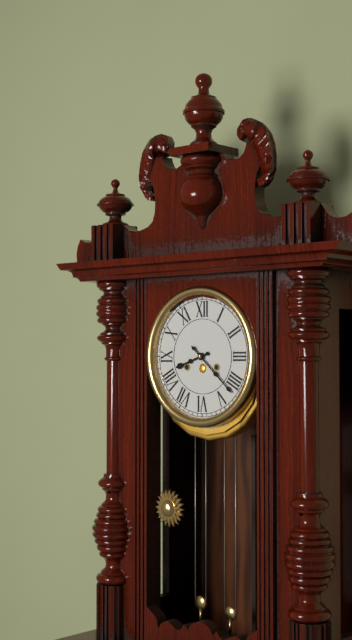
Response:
h=8 m=22
